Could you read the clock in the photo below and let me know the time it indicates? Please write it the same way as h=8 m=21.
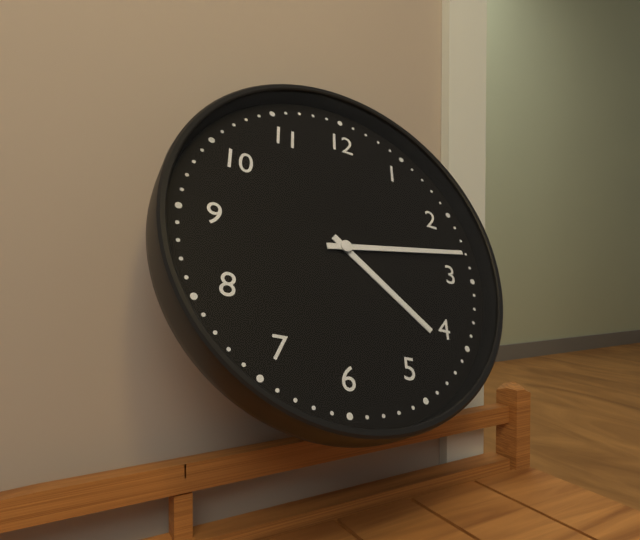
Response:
h=4 m=13
